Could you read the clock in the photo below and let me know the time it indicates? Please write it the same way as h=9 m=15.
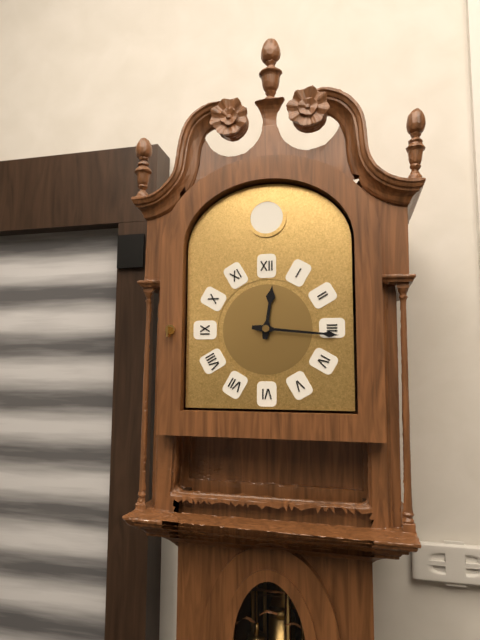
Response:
h=12 m=16
